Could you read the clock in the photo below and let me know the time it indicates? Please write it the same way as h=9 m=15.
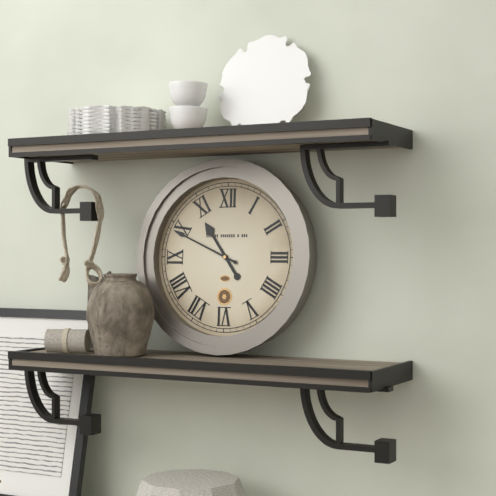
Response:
h=10 m=49
